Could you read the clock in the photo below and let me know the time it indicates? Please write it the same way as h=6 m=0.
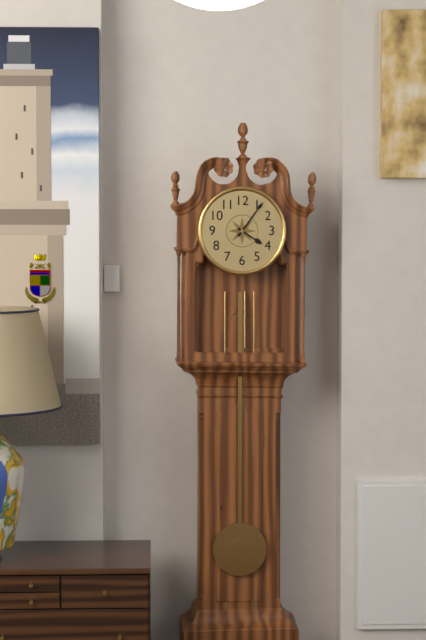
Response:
h=4 m=6
